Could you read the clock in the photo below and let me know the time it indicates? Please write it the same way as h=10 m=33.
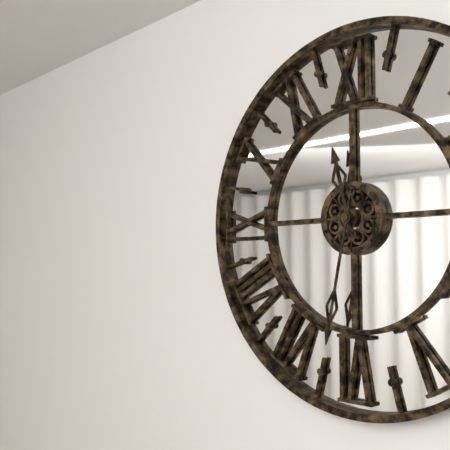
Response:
h=11 m=32
